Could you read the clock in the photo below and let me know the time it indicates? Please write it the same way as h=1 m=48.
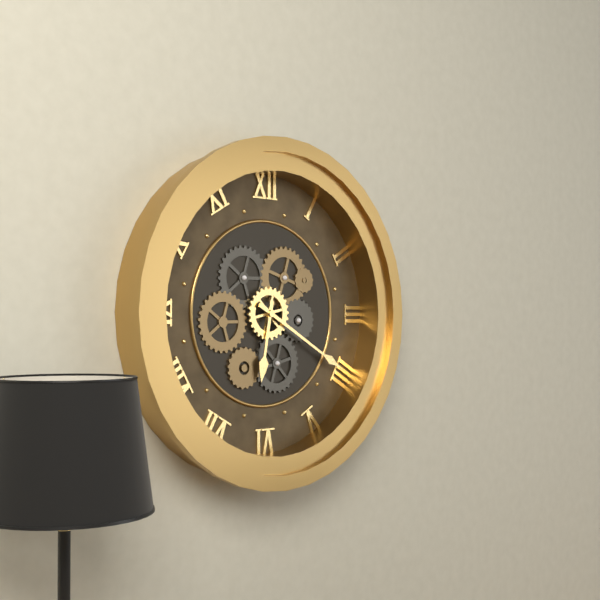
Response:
h=6 m=20
